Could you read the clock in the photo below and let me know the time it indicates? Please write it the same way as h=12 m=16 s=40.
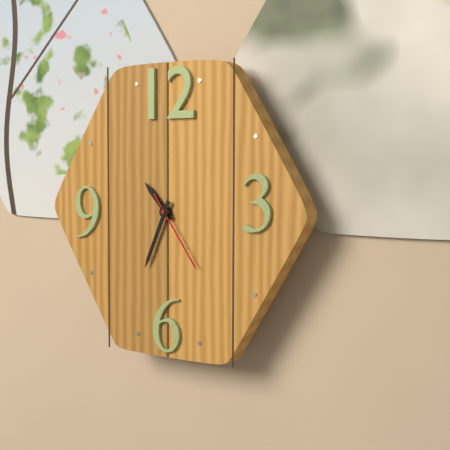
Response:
h=10 m=34 s=24
